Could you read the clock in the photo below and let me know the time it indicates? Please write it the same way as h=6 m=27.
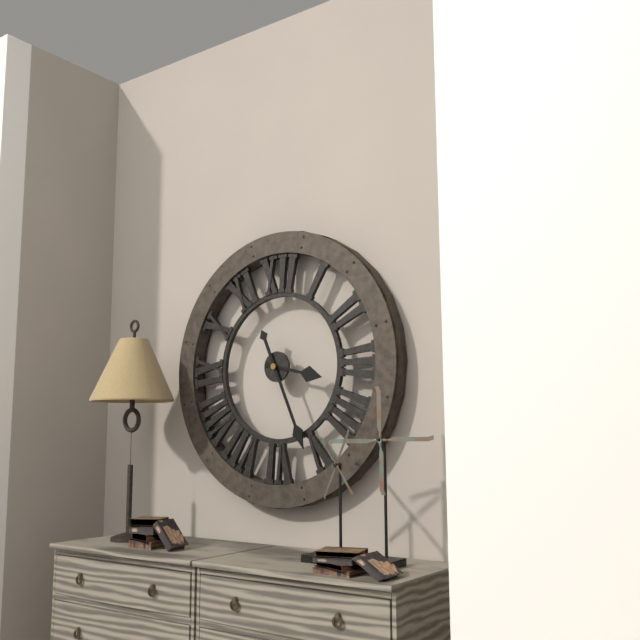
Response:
h=3 m=26
